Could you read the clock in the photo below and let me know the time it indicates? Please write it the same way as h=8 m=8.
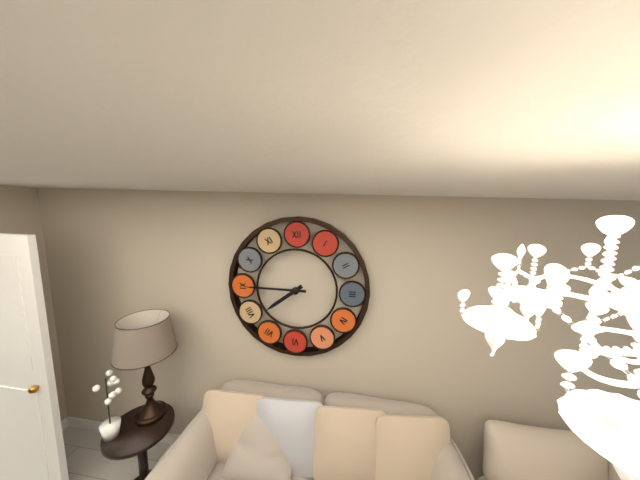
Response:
h=7 m=45
